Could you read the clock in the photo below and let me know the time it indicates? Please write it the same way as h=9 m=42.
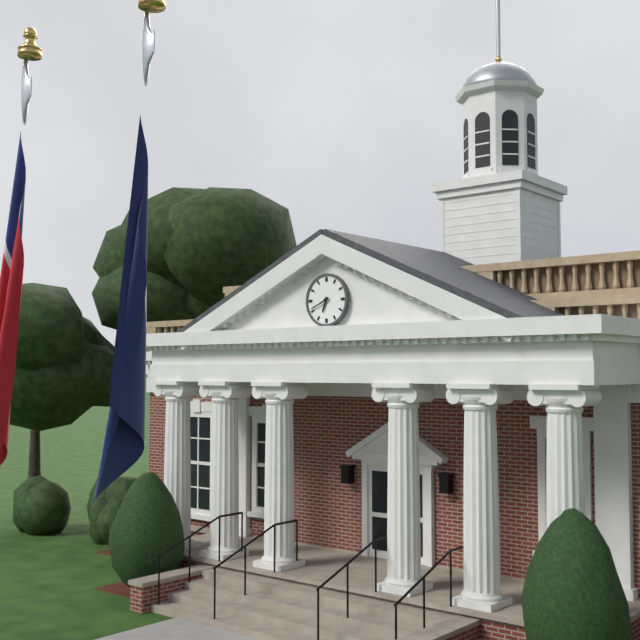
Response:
h=6 m=41
